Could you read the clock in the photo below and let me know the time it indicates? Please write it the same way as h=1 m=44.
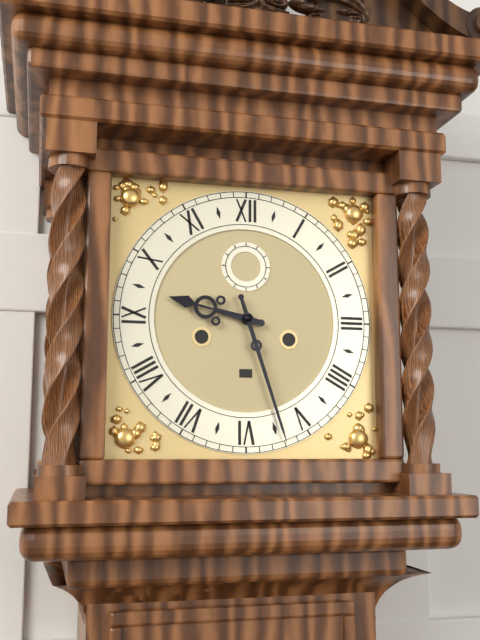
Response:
h=9 m=27
